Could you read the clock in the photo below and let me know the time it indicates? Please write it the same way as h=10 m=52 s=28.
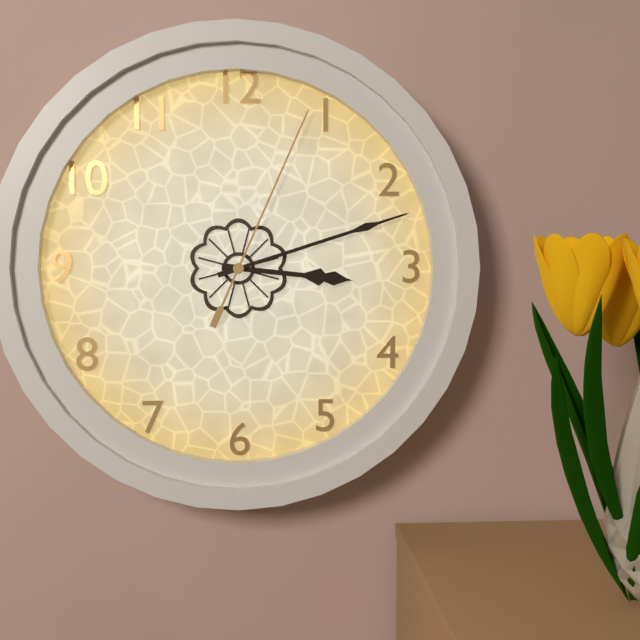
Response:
h=3 m=12 s=4
